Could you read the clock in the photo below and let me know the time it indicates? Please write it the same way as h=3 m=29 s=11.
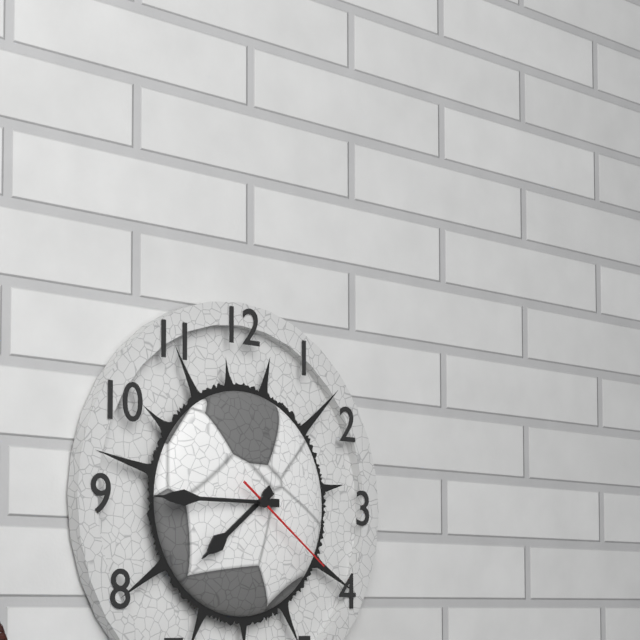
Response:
h=7 m=45 s=21
